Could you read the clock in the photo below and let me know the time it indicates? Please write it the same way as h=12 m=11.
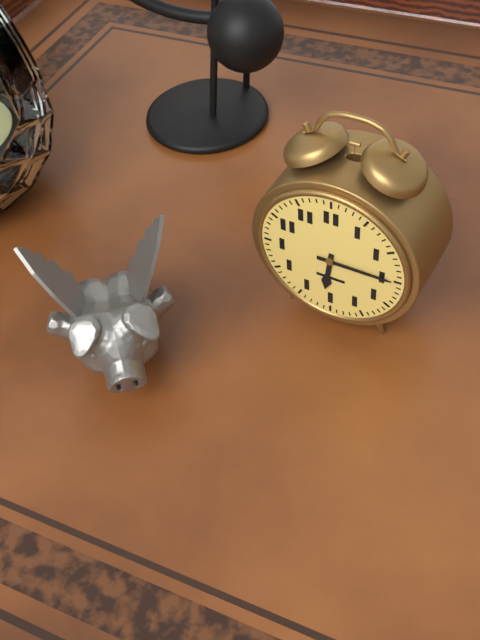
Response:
h=6 m=15
